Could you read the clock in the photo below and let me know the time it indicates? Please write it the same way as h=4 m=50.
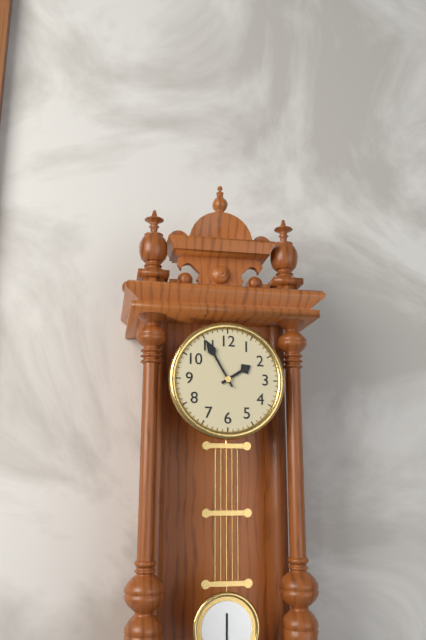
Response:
h=1 m=55
